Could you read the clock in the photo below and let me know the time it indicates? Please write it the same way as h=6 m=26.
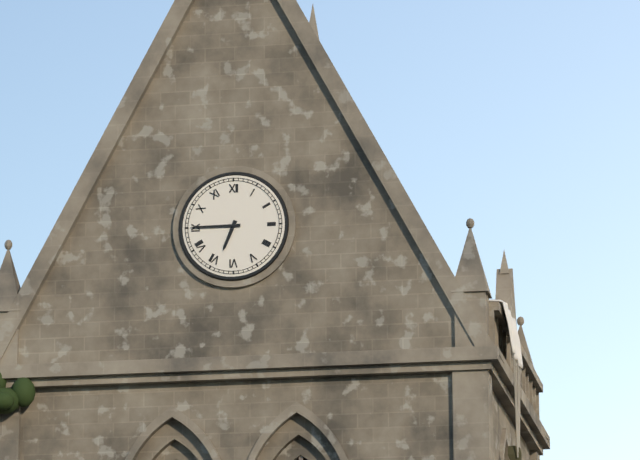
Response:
h=6 m=45
